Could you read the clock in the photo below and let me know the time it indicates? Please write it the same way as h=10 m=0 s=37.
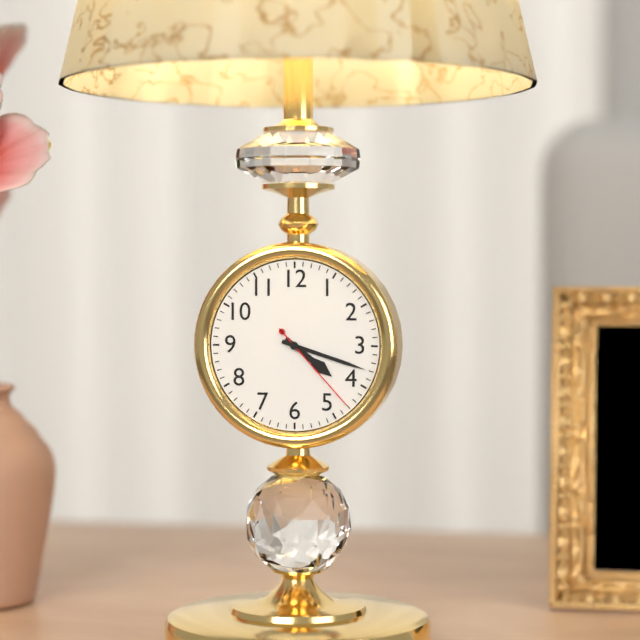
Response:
h=4 m=18 s=23
